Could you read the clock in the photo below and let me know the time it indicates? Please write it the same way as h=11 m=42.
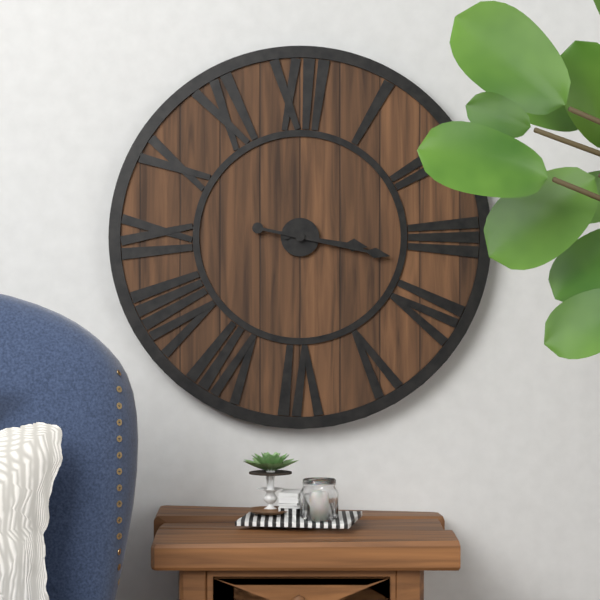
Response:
h=3 m=17
